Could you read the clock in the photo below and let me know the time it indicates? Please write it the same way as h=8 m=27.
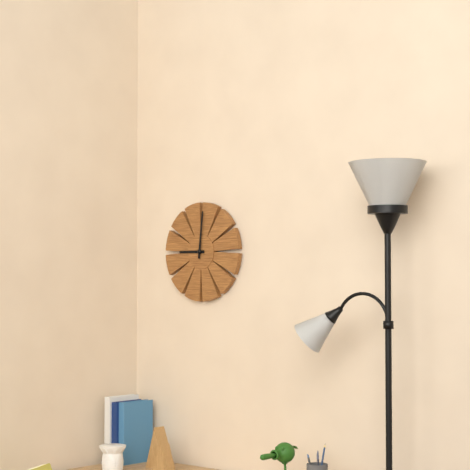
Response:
h=9 m=1
